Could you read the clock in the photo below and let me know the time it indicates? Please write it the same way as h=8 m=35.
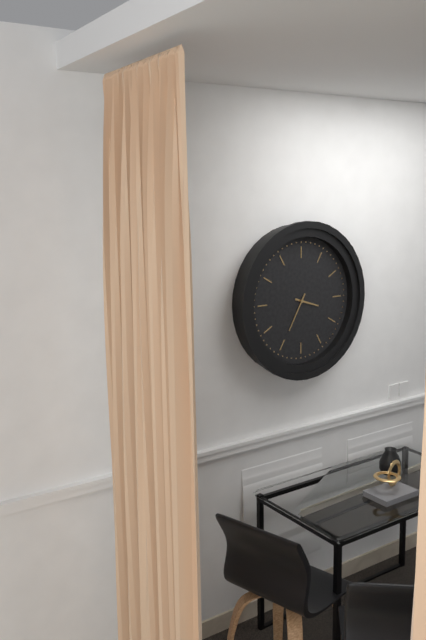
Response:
h=3 m=35
